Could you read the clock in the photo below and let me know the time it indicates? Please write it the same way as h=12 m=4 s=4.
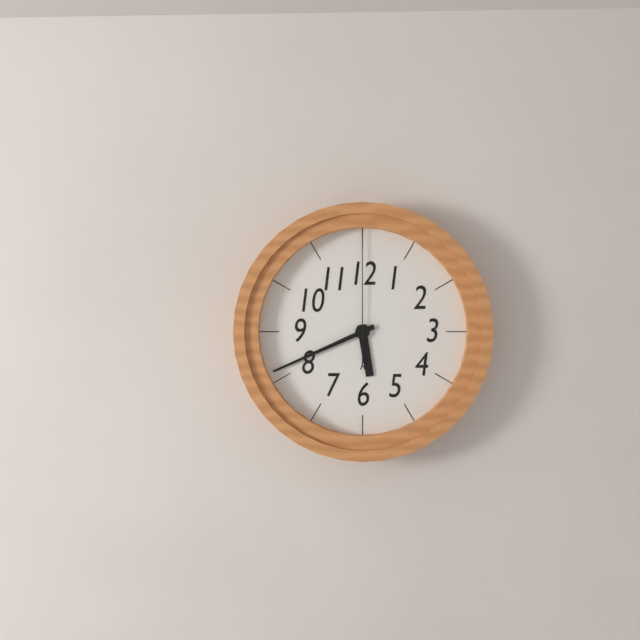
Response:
h=5 m=41 s=0
